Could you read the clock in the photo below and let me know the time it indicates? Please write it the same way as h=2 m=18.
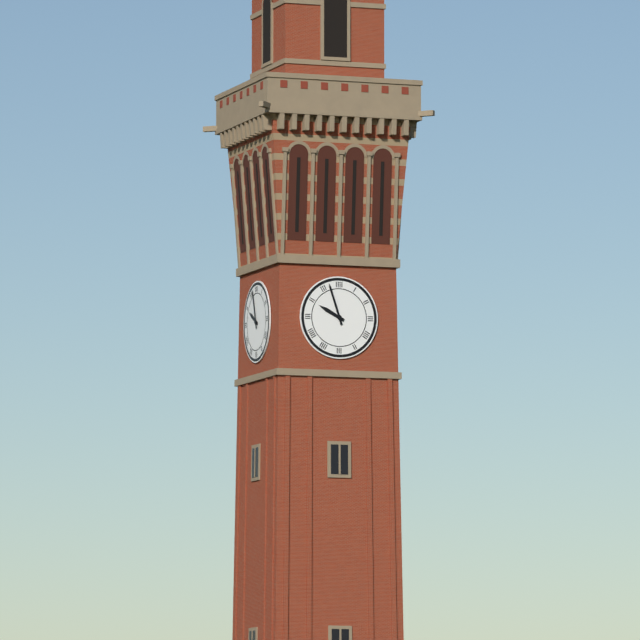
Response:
h=9 m=57
